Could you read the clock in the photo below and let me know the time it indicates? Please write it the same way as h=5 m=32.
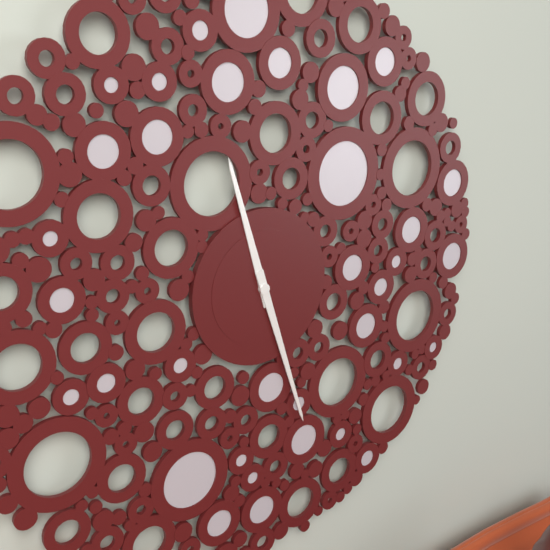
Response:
h=11 m=27
